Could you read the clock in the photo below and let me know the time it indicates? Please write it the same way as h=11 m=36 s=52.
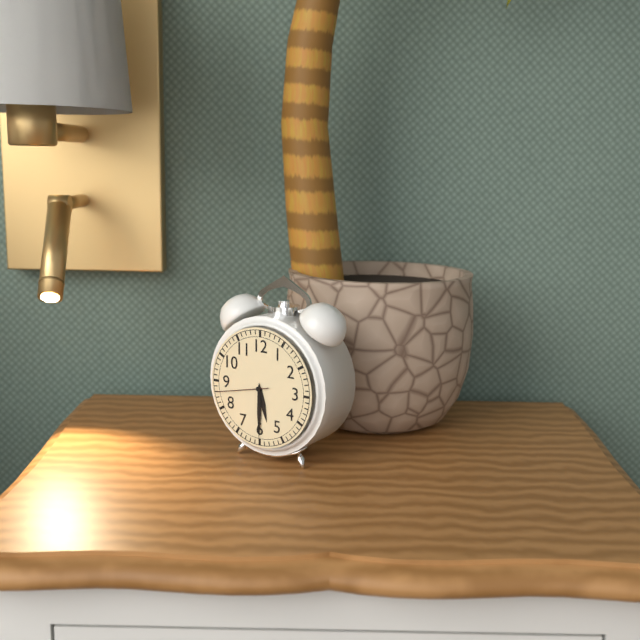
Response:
h=5 m=30 s=43
